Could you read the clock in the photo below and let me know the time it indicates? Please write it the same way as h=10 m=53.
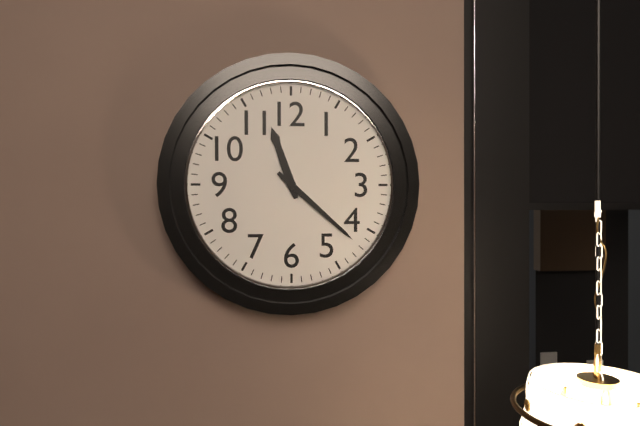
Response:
h=11 m=22
